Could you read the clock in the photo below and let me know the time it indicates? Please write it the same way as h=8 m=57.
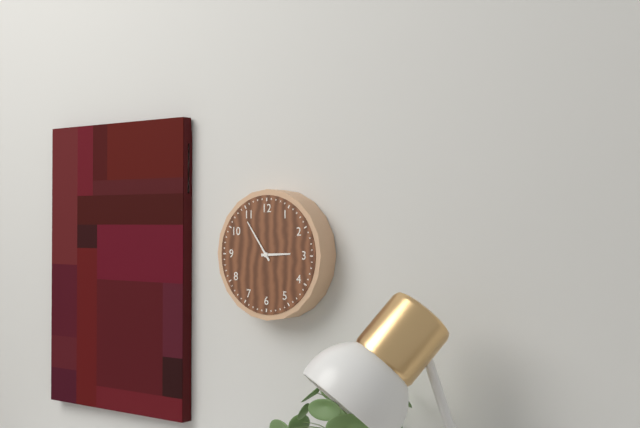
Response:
h=2 m=54
